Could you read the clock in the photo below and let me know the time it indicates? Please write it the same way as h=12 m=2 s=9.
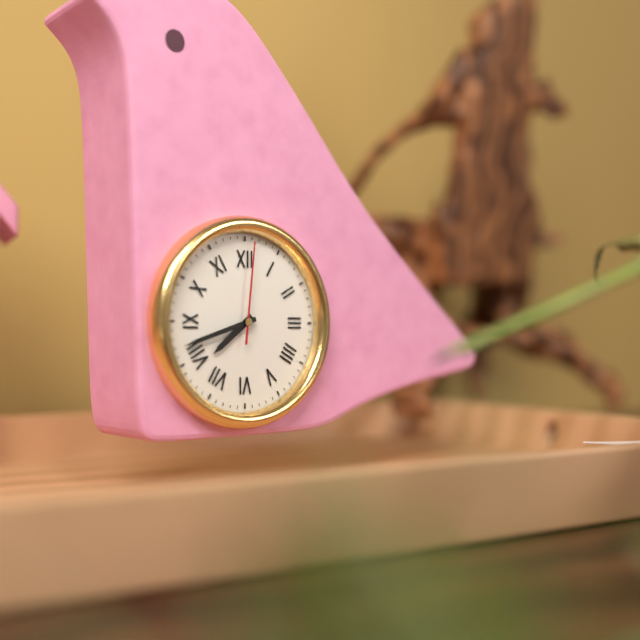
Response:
h=7 m=42 s=1
